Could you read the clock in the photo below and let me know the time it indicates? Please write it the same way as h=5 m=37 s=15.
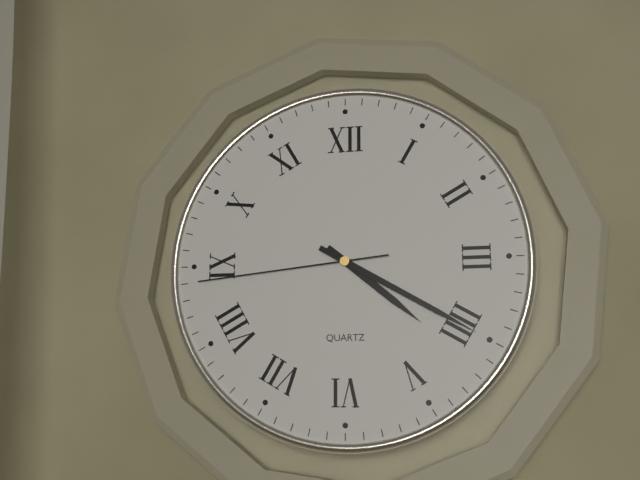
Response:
h=4 m=20 s=44
